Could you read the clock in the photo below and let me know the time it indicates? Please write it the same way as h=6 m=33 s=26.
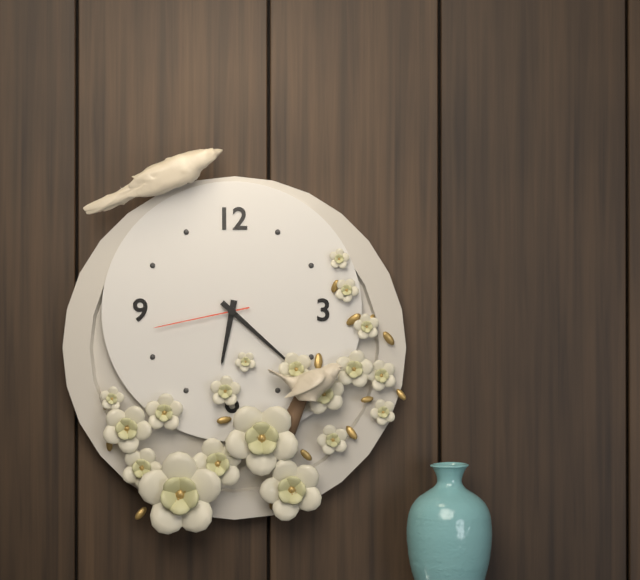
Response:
h=6 m=22 s=43
